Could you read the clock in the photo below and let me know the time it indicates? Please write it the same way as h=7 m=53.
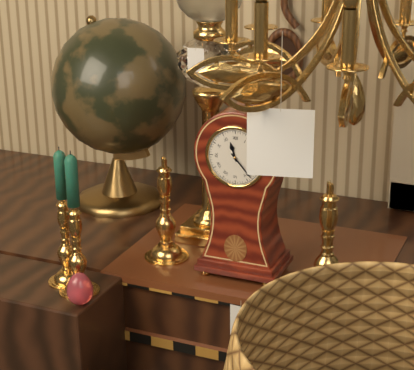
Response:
h=11 m=23
